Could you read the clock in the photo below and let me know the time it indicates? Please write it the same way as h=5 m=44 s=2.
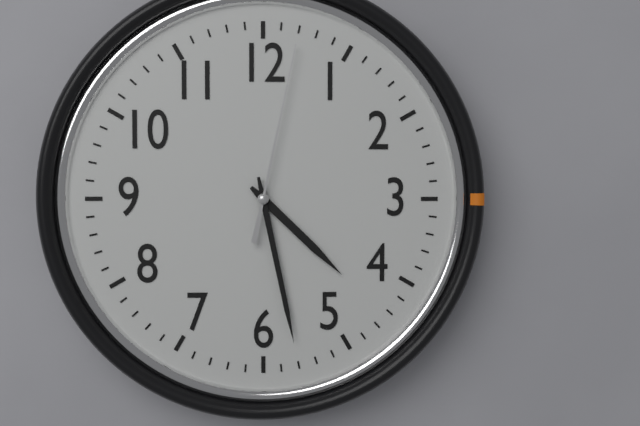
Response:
h=4 m=28 s=2
